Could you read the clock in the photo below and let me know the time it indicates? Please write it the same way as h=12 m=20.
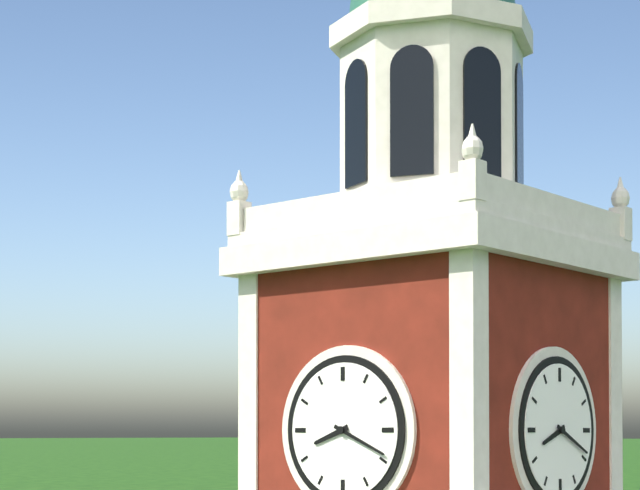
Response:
h=8 m=19
